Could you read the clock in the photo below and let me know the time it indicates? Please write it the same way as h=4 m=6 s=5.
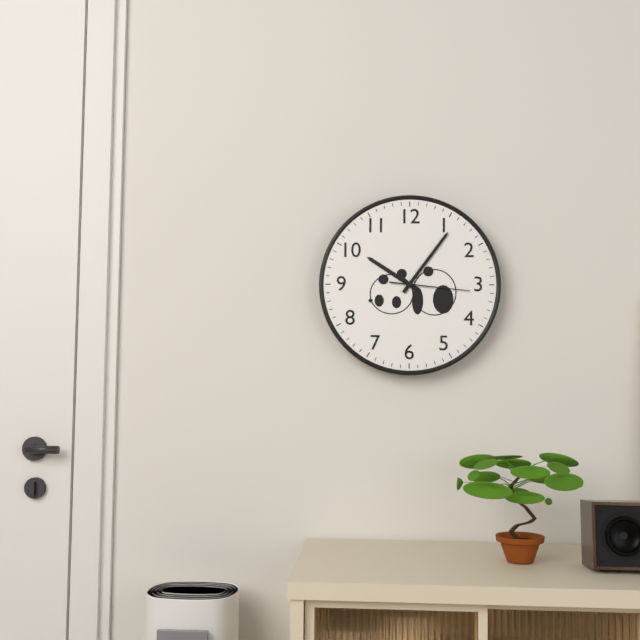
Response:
h=10 m=6 s=16
